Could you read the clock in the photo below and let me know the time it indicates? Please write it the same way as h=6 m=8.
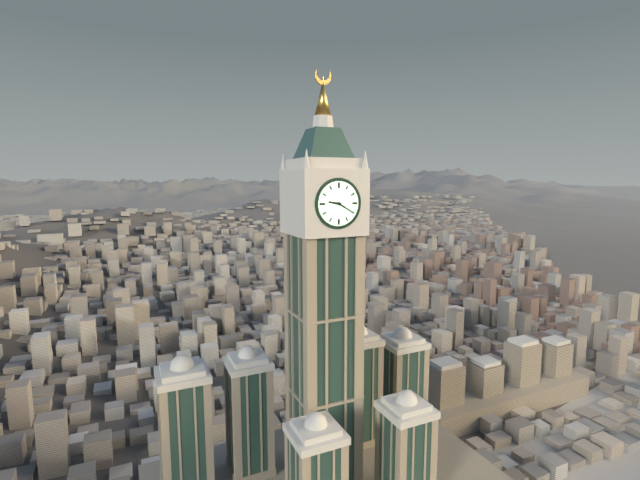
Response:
h=9 m=20
